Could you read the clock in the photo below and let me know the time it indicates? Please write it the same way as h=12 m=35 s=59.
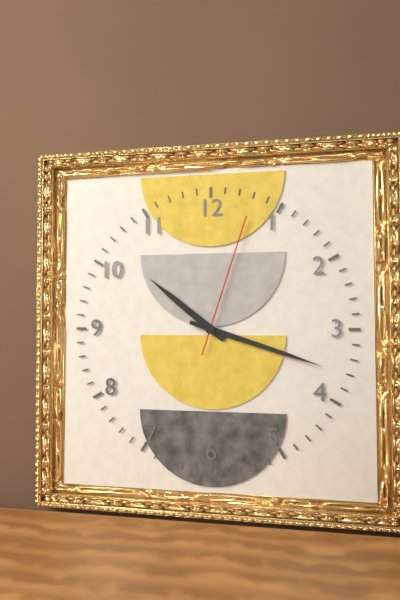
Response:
h=10 m=18 s=3
